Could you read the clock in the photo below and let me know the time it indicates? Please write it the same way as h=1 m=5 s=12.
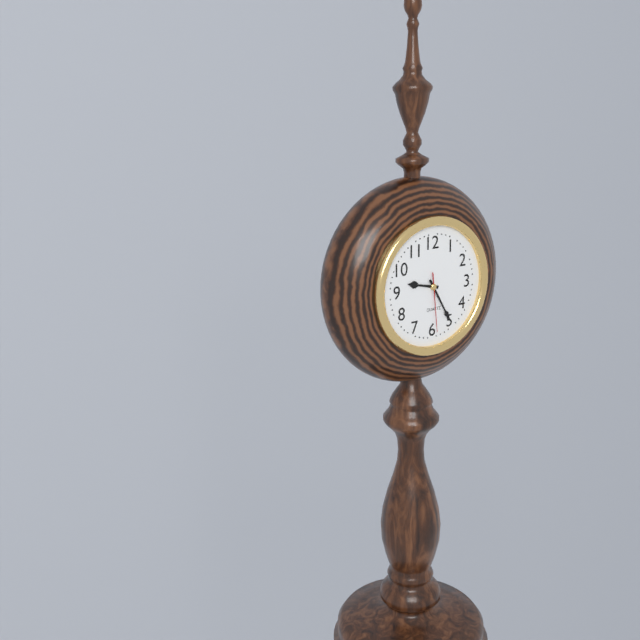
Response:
h=9 m=25 s=29
